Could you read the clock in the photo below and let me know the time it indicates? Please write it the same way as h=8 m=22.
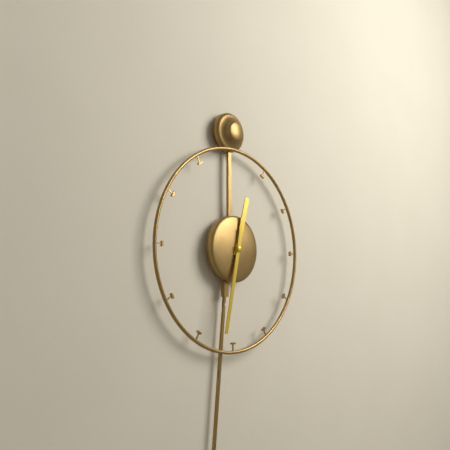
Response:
h=12 m=32
